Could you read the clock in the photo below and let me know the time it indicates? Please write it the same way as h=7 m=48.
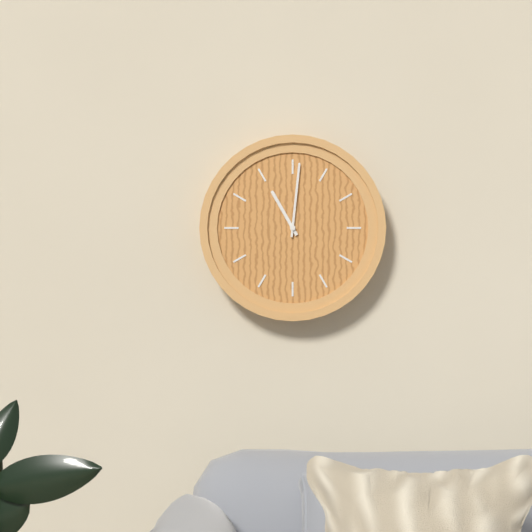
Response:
h=11 m=1
